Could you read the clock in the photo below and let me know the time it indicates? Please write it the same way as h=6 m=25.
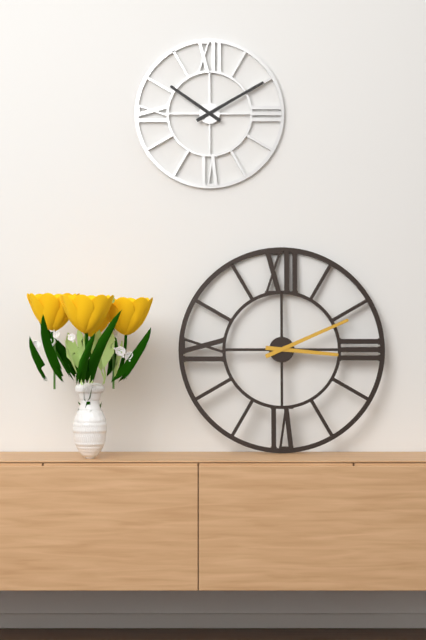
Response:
h=3 m=11
